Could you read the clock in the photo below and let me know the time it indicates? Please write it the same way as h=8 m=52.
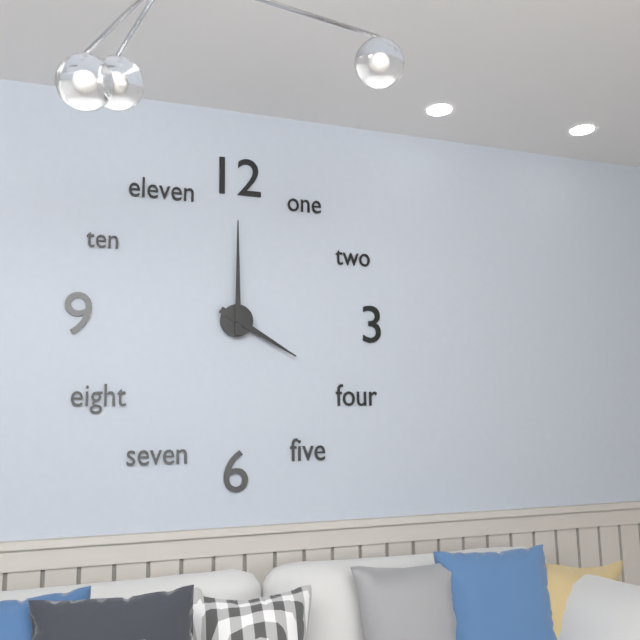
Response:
h=4 m=0
